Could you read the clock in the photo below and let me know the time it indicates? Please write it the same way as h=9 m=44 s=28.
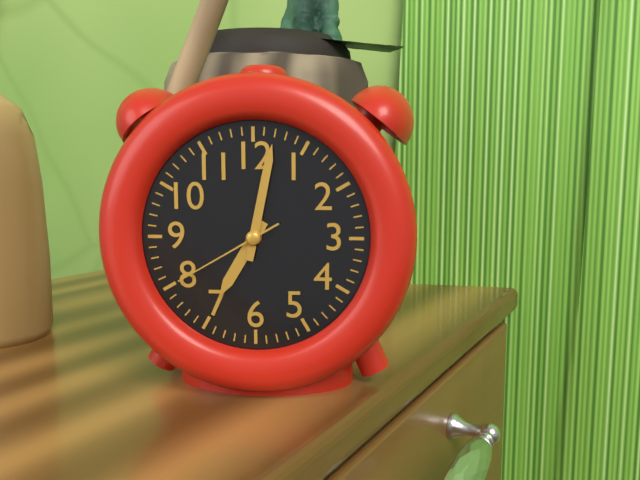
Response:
h=7 m=2 s=40
